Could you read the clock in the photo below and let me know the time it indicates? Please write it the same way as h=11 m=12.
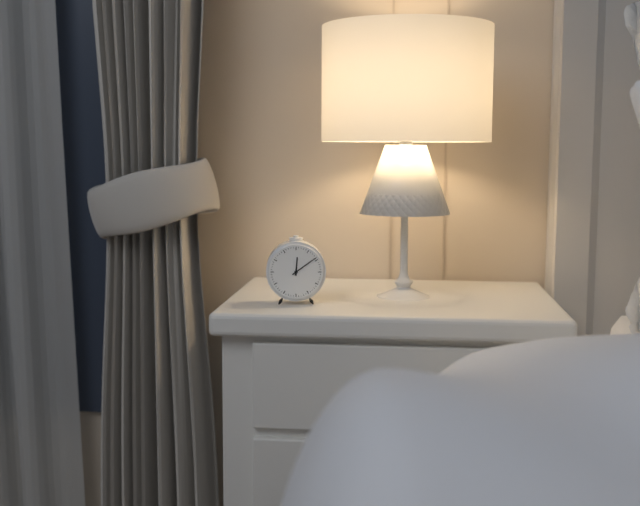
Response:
h=12 m=9
